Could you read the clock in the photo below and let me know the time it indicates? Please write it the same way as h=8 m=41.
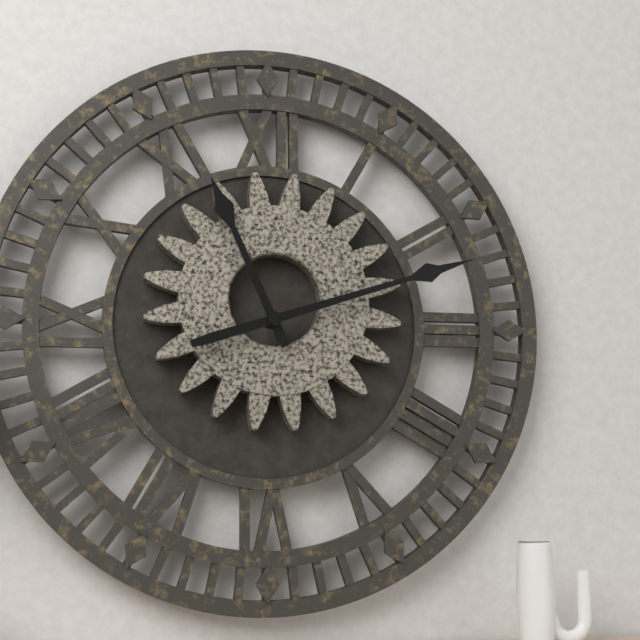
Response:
h=11 m=12
